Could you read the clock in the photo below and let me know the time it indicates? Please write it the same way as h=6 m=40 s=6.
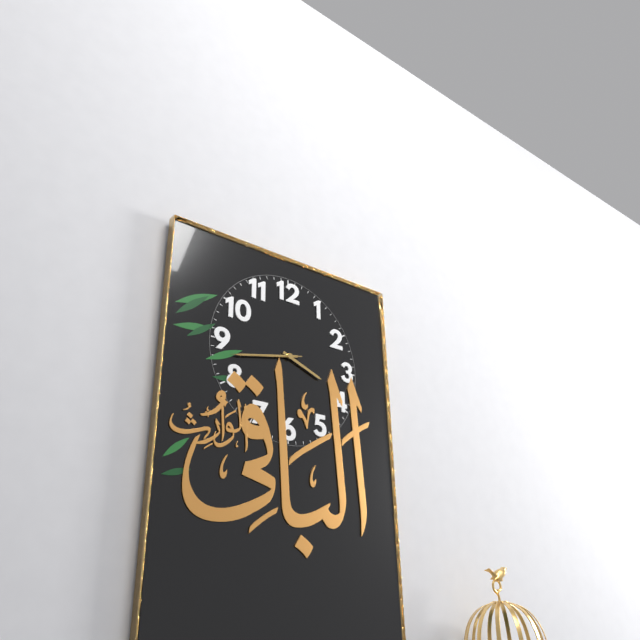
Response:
h=3 m=43 s=43
